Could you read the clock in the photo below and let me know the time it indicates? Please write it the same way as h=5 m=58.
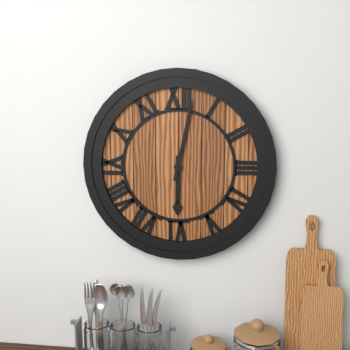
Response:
h=6 m=2
